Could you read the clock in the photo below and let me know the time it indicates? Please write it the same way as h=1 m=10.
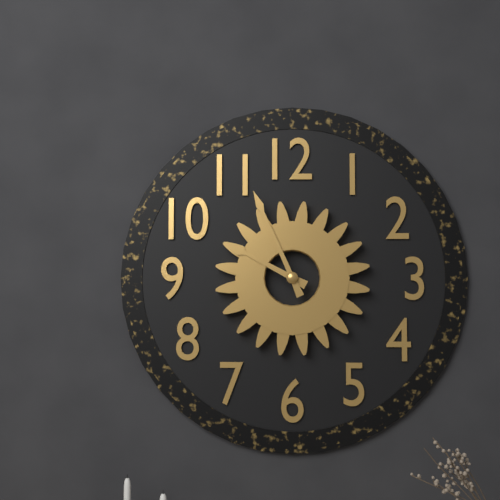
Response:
h=9 m=56
